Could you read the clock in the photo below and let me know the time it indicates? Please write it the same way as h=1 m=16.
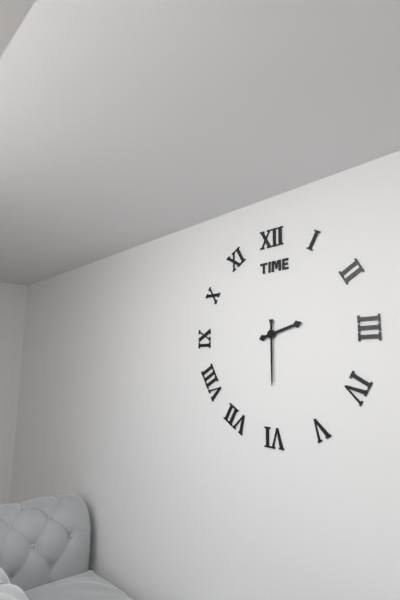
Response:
h=2 m=30
